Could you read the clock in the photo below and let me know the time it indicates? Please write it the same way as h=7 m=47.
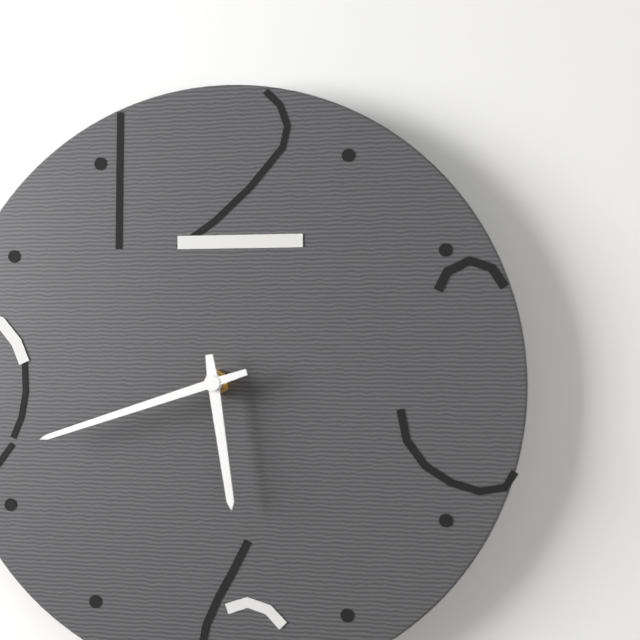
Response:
h=5 m=42
